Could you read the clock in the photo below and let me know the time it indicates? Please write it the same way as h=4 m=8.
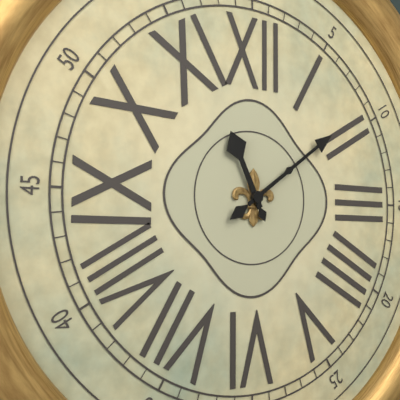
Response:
h=11 m=9
